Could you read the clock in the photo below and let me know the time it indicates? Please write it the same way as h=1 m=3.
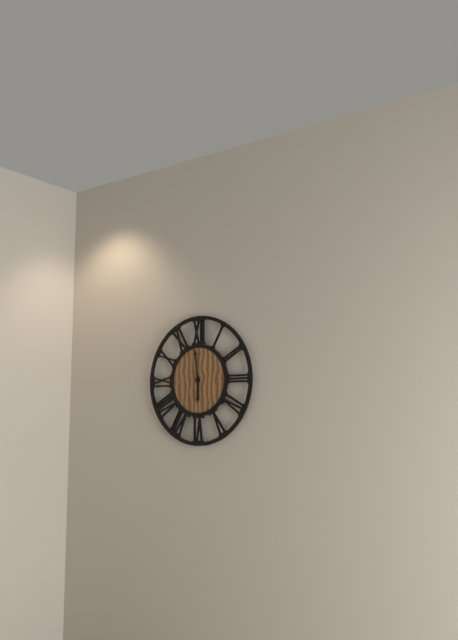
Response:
h=5 m=59
